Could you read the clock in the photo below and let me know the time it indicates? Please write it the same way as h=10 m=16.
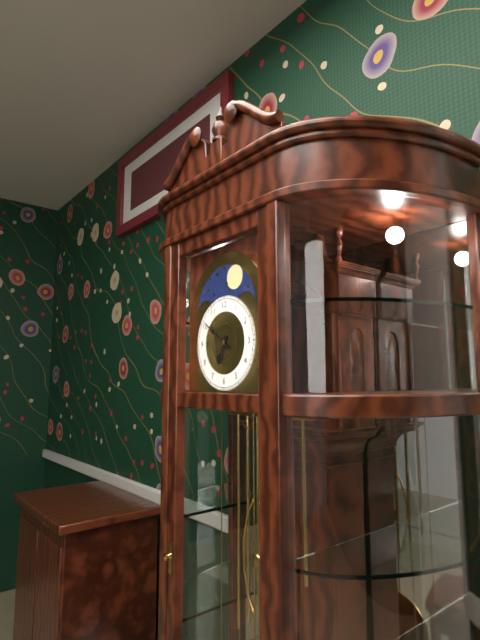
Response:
h=6 m=51
